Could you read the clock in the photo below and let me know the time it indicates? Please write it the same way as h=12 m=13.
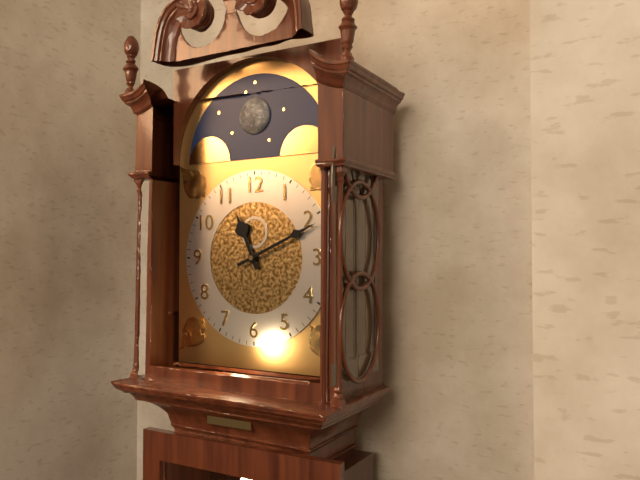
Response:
h=11 m=11
